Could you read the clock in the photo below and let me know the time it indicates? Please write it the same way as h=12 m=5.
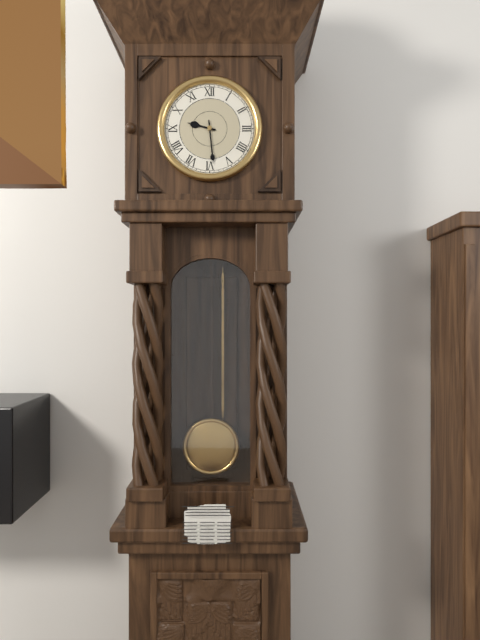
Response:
h=9 m=29
